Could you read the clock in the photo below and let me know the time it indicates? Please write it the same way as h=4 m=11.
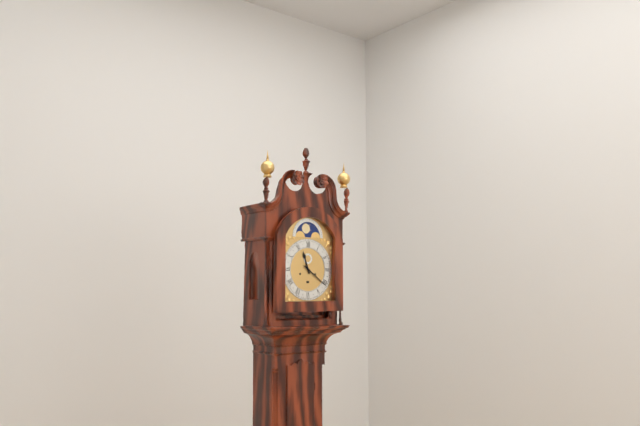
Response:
h=11 m=21
